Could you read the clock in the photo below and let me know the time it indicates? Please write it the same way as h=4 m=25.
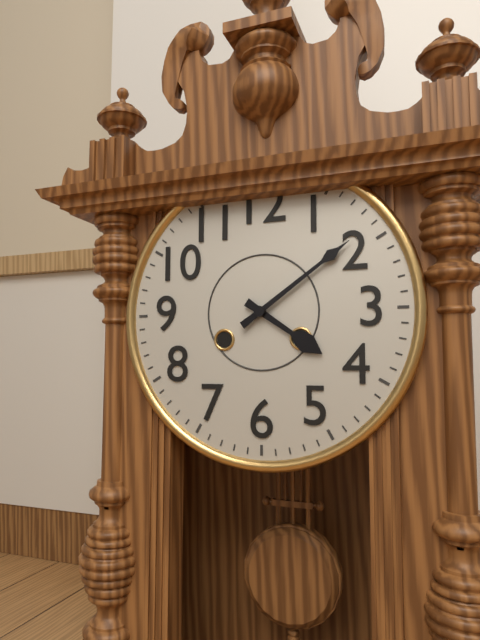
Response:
h=4 m=9
